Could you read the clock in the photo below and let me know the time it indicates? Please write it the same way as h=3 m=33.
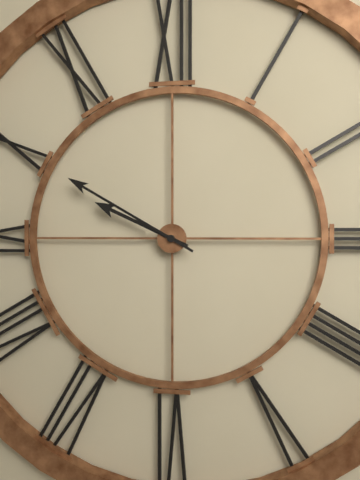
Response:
h=9 m=50
